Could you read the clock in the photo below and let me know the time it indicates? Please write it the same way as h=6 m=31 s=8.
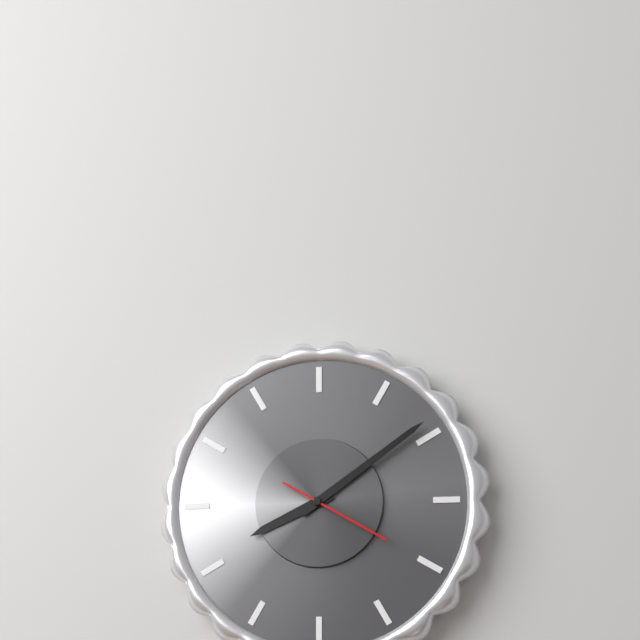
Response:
h=8 m=9 s=20
